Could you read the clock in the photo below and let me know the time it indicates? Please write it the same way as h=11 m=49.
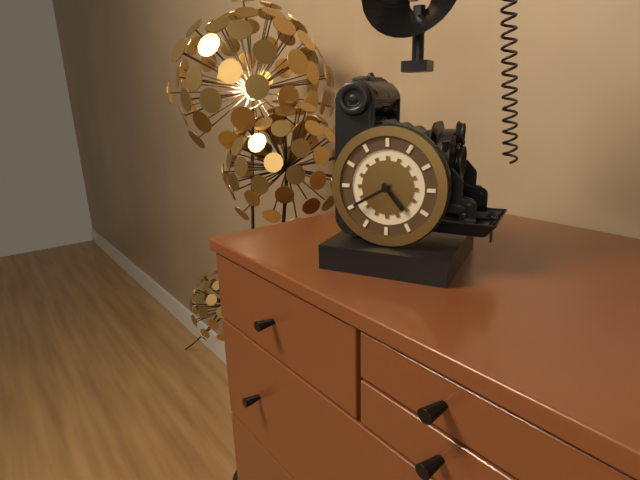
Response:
h=4 m=40
